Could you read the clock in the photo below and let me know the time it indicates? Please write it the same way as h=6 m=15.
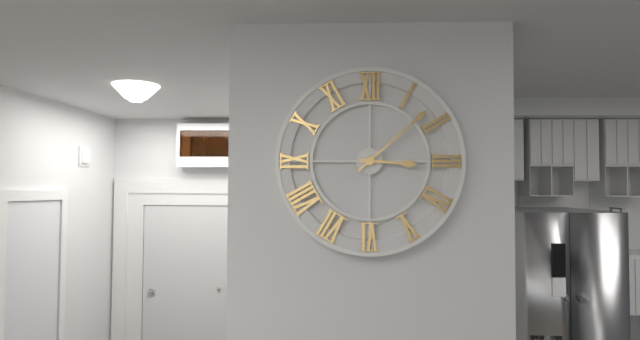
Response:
h=3 m=8
